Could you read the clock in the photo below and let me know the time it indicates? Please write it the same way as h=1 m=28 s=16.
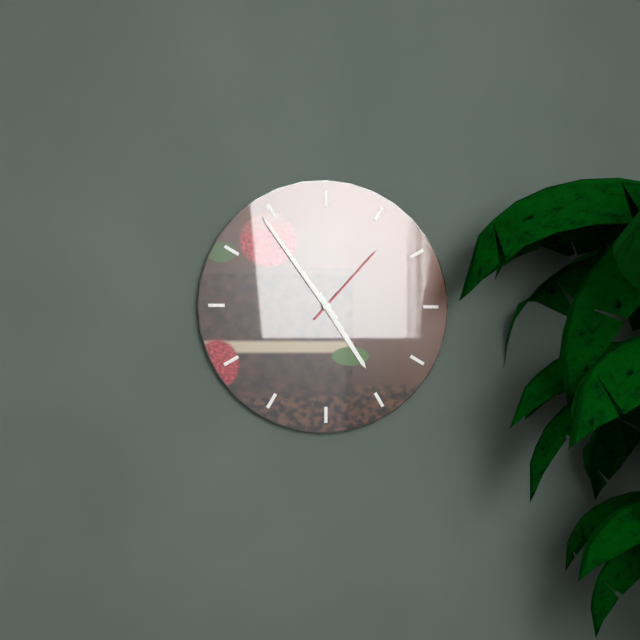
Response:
h=4 m=54 s=7
